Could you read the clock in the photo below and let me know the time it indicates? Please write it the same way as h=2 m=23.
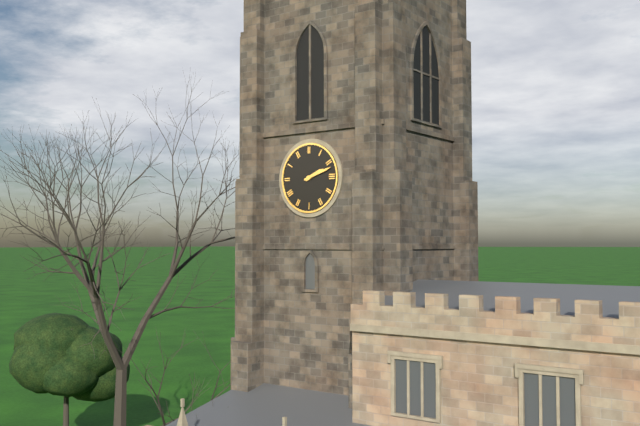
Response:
h=2 m=12
